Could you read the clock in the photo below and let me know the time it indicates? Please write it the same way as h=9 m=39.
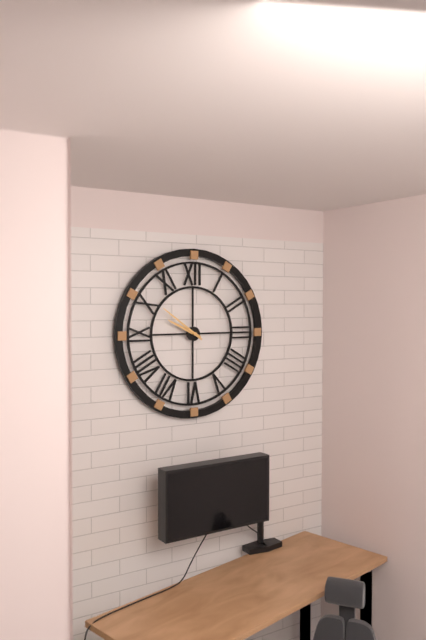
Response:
h=9 m=51
